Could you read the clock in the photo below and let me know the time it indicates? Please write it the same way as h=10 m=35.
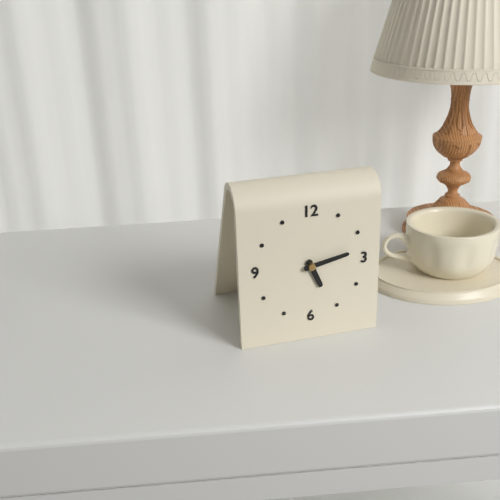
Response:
h=5 m=13
